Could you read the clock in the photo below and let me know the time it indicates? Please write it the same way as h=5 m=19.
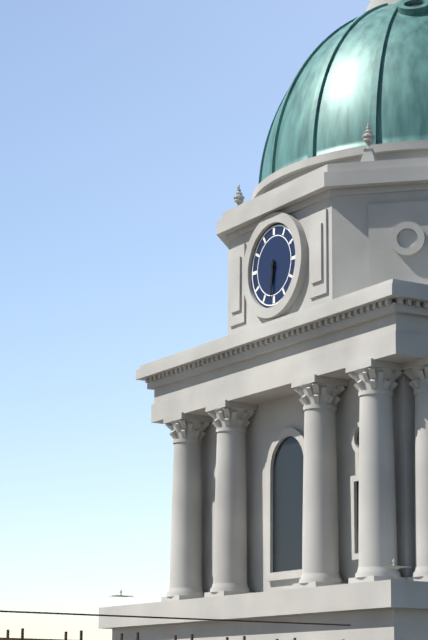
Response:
h=6 m=31
